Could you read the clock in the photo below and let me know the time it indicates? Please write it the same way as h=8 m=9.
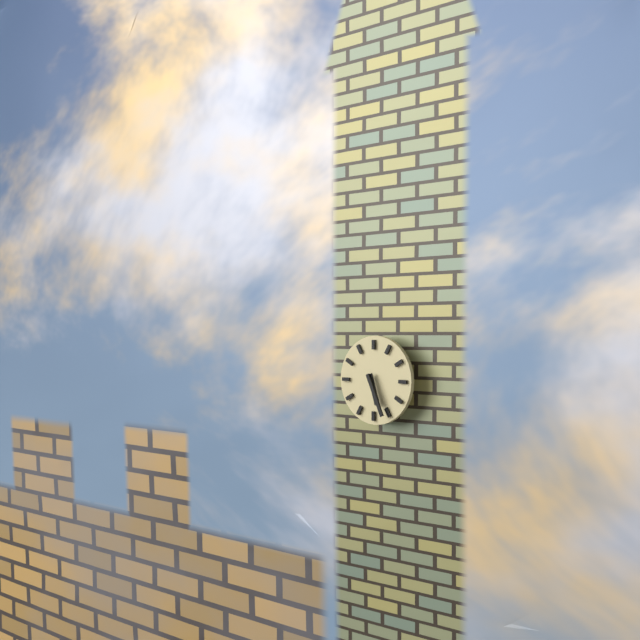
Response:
h=5 m=26
